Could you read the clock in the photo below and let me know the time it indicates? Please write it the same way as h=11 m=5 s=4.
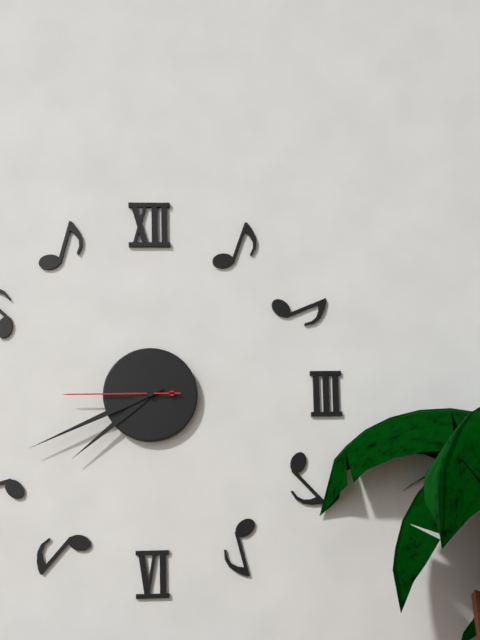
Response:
h=7 m=41 s=45
